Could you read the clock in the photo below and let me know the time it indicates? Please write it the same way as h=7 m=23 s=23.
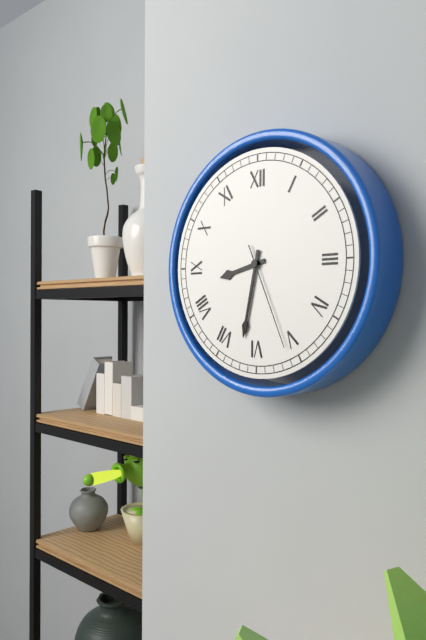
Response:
h=8 m=32 s=26
